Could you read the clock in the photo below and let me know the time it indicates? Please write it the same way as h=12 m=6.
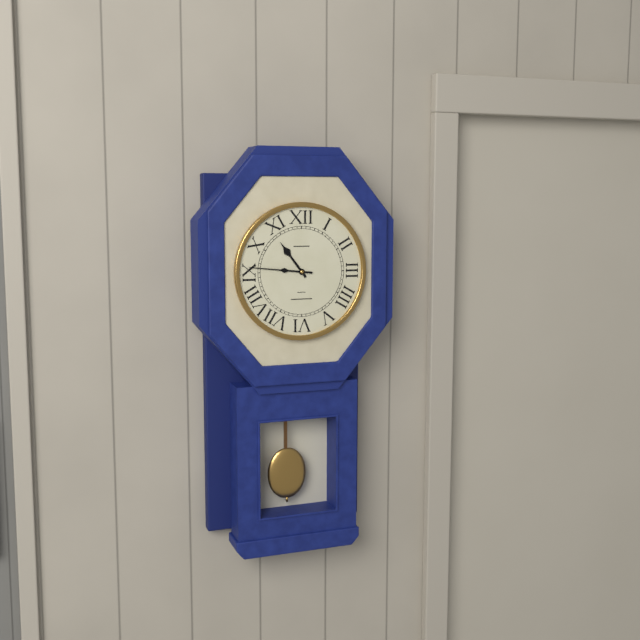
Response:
h=10 m=46
